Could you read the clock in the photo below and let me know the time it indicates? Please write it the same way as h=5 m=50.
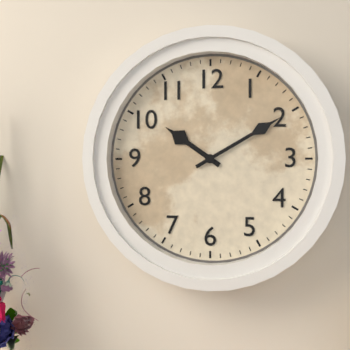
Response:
h=10 m=10
